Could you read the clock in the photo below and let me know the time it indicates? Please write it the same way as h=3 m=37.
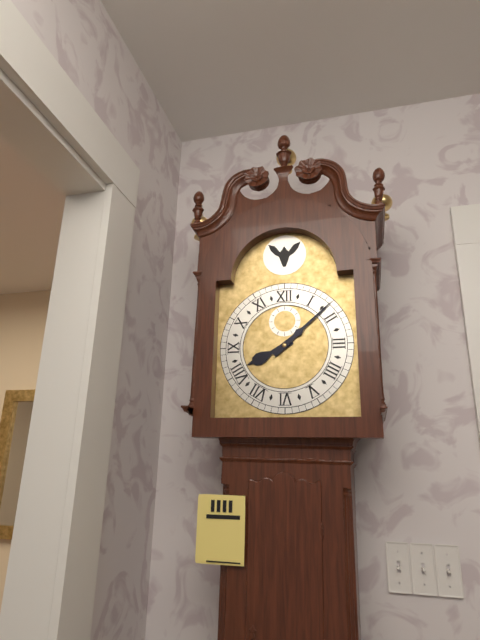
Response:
h=8 m=8
